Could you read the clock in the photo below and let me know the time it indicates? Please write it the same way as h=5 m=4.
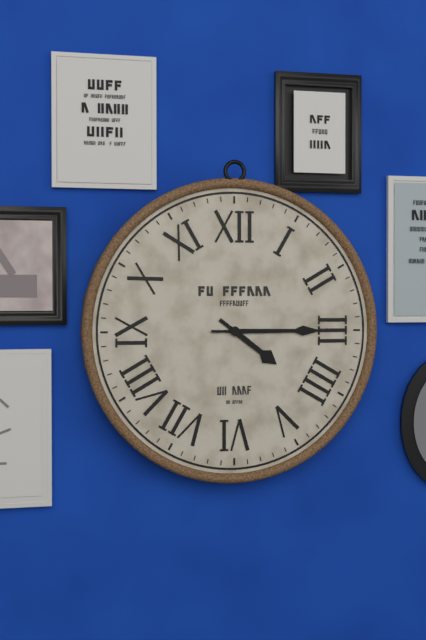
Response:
h=4 m=15
